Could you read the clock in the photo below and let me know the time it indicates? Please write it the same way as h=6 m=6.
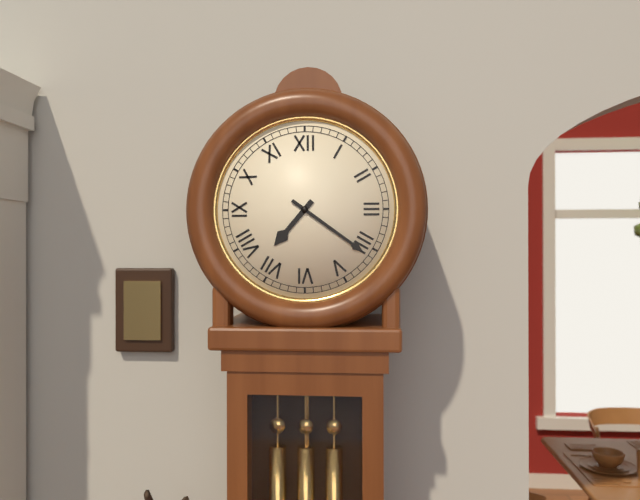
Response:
h=7 m=21
